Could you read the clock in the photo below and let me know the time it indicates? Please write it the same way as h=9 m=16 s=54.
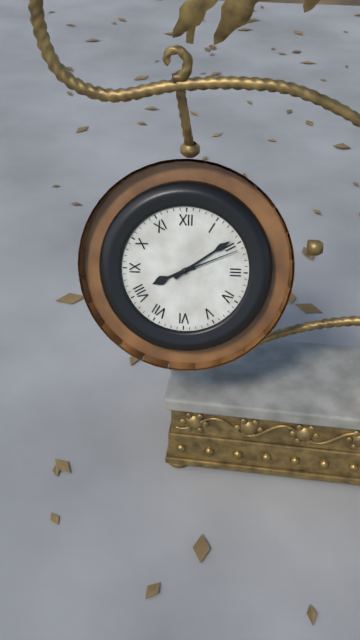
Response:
h=8 m=9 s=11
